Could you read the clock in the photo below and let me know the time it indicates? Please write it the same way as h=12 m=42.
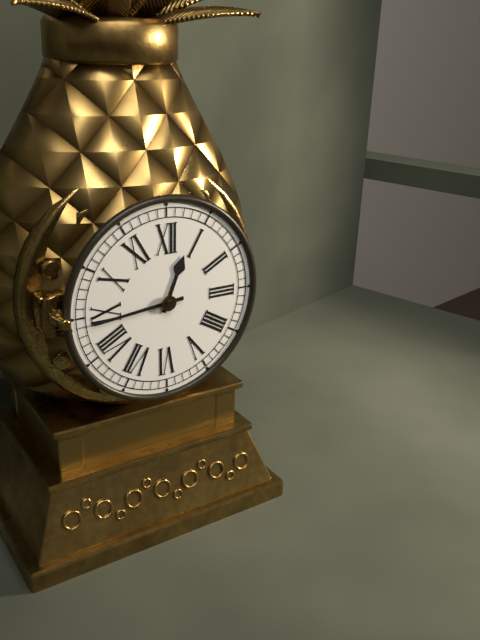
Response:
h=12 m=44
